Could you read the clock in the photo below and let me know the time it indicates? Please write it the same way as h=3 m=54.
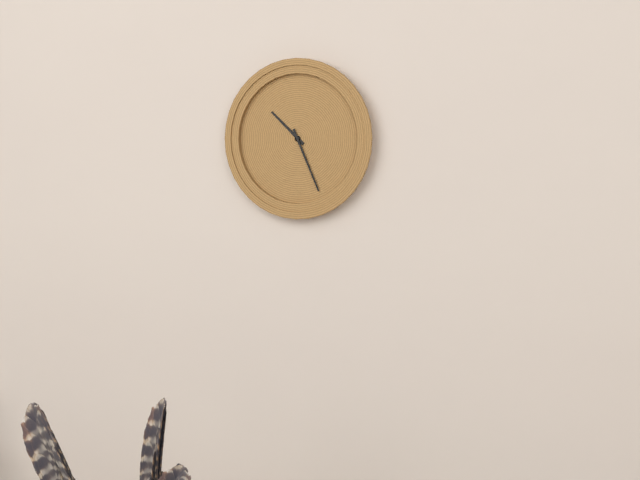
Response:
h=10 m=26
